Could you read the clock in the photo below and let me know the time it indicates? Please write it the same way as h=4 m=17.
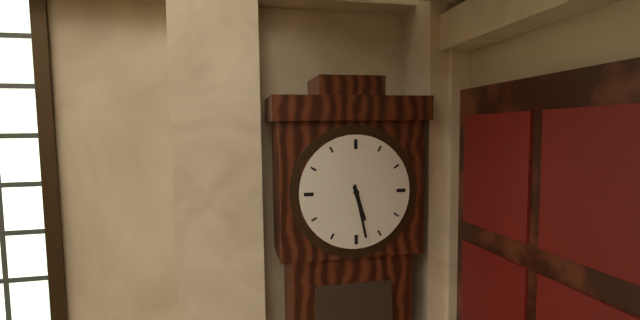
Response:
h=5 m=28
